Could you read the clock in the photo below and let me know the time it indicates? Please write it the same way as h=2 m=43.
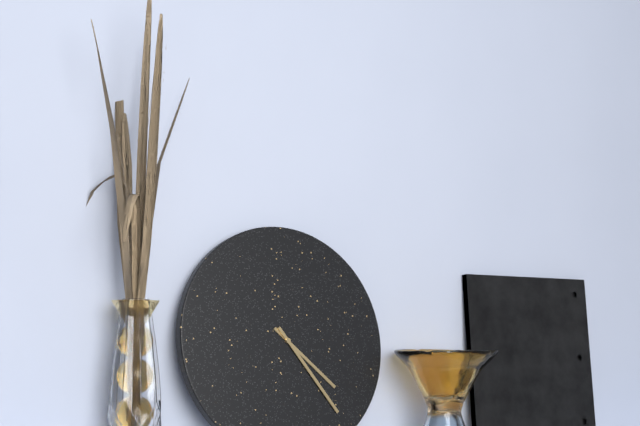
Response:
h=4 m=24
